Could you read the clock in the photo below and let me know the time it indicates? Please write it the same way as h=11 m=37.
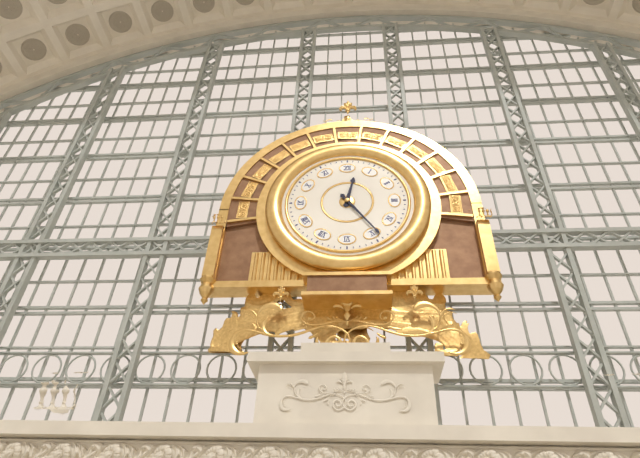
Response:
h=12 m=24
